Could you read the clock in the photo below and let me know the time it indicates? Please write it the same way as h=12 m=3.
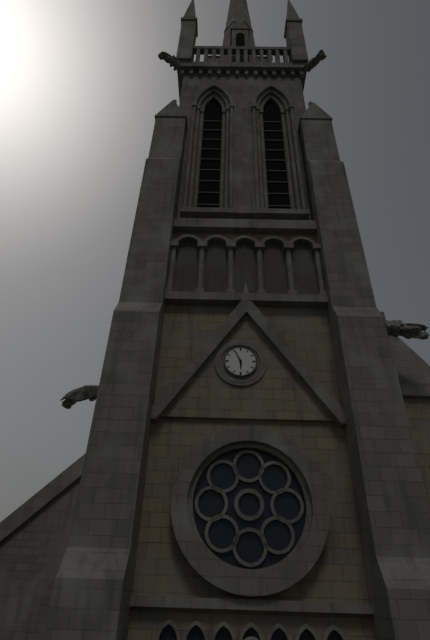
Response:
h=5 m=56
